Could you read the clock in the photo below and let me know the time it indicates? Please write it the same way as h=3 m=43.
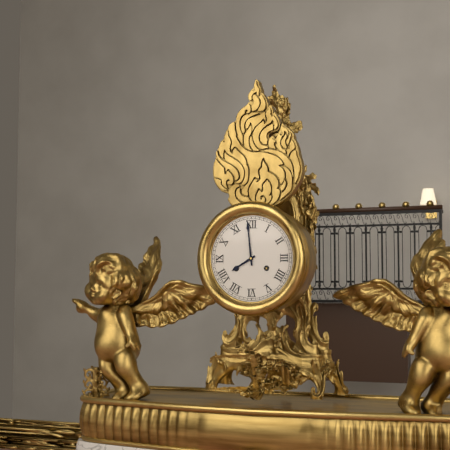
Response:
h=7 m=59
